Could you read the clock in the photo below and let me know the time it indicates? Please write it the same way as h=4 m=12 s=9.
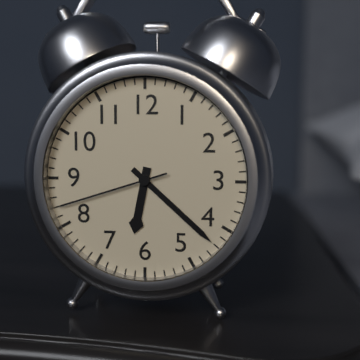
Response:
h=6 m=22 s=42
